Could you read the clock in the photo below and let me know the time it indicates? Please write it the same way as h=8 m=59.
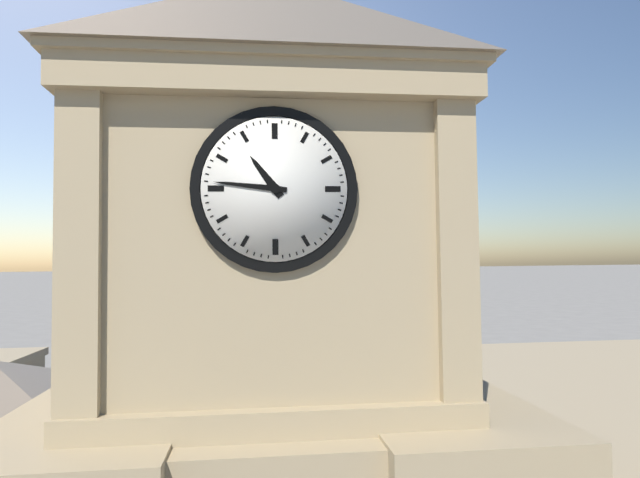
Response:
h=10 m=46
